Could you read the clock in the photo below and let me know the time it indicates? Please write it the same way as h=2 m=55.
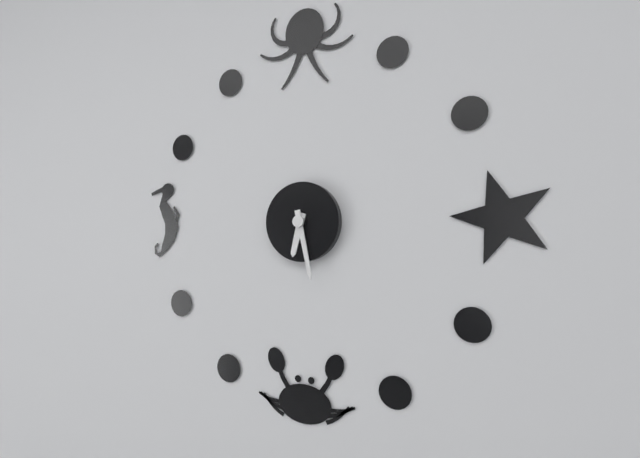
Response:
h=6 m=28
